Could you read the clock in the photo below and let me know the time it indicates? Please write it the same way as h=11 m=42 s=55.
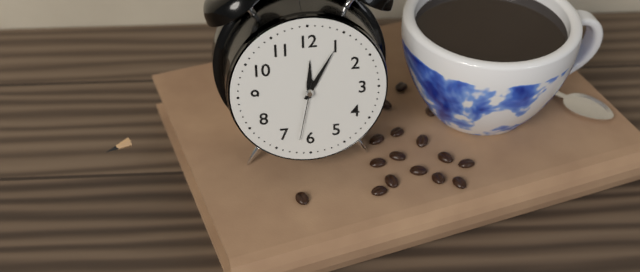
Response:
h=12 m=5 s=32
